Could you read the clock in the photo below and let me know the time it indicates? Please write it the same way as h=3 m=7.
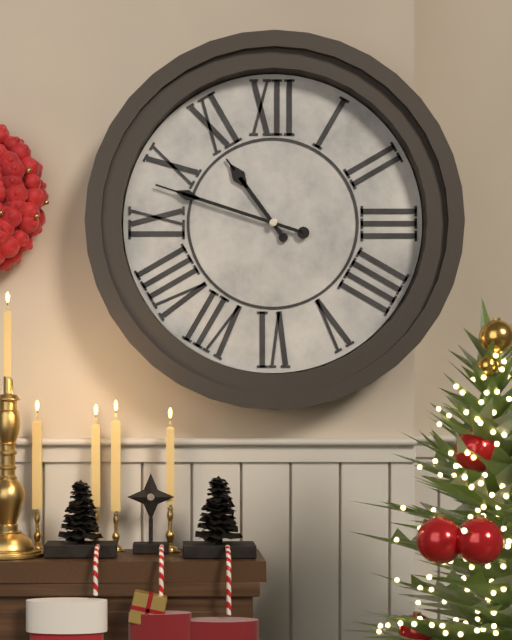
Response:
h=10 m=48
